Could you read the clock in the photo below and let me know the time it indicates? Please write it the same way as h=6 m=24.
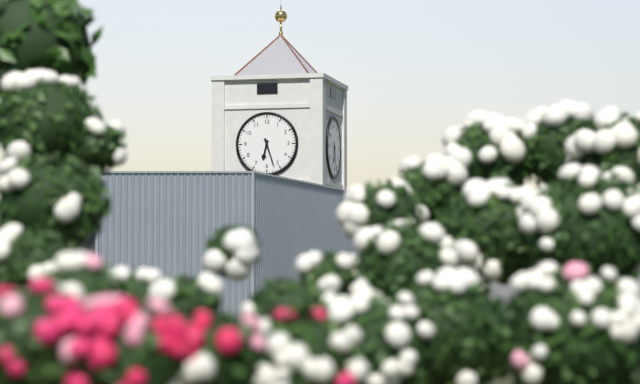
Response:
h=6 m=27
